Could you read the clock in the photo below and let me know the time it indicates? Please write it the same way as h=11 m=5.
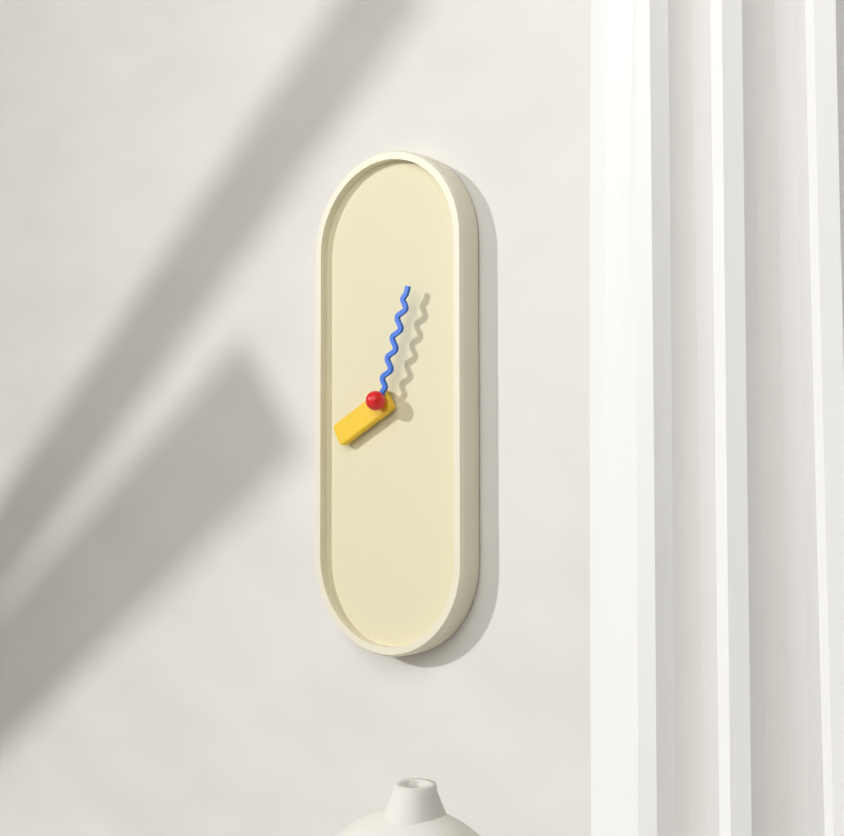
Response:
h=8 m=3
